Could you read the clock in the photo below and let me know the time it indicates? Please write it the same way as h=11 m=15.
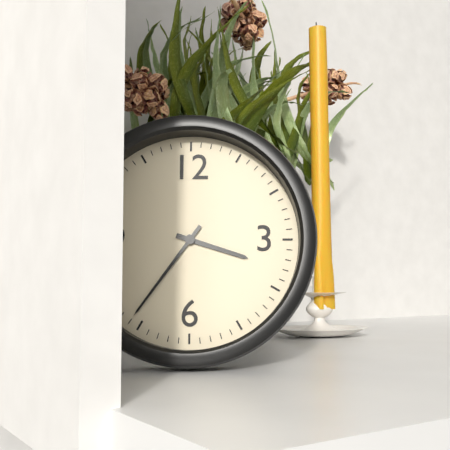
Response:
h=3 m=36
